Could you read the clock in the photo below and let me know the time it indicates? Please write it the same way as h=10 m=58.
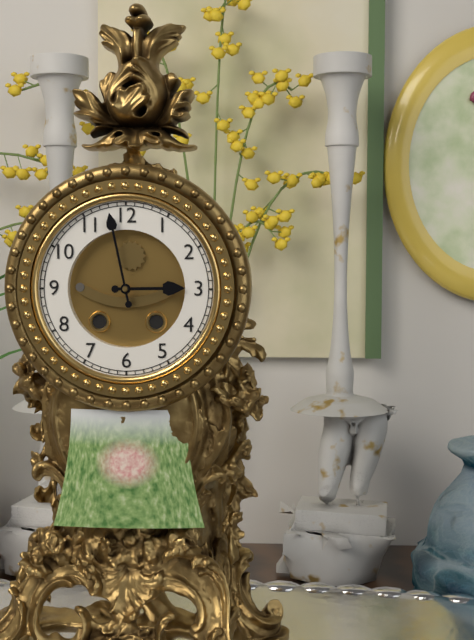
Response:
h=2 m=58
